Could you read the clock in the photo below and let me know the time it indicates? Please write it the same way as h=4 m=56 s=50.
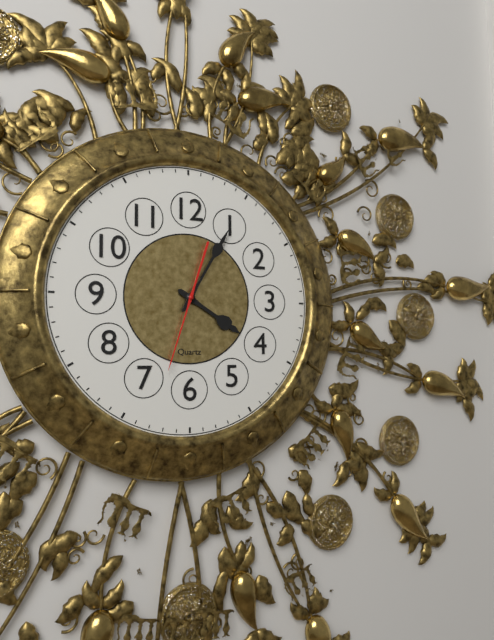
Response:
h=4 m=5 s=33
